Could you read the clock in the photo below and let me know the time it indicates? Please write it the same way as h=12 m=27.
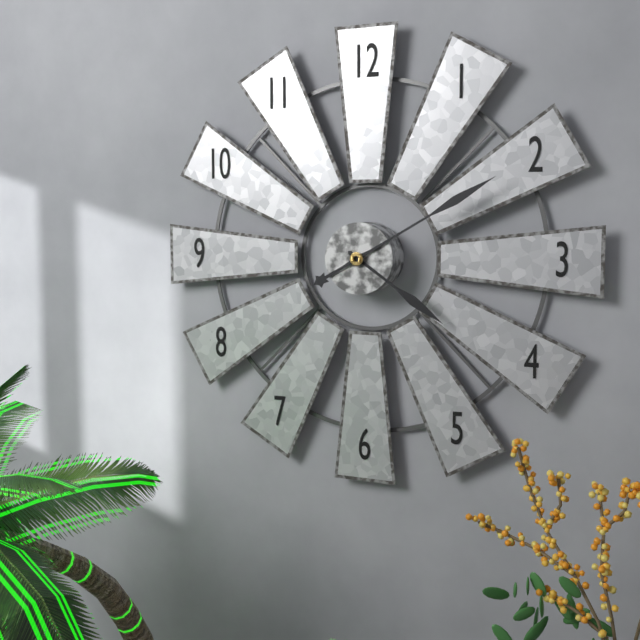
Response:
h=4 m=10
